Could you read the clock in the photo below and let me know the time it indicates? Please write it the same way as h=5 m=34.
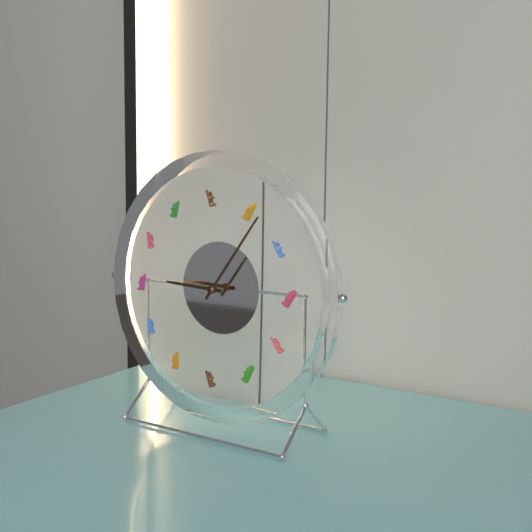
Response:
h=9 m=6
